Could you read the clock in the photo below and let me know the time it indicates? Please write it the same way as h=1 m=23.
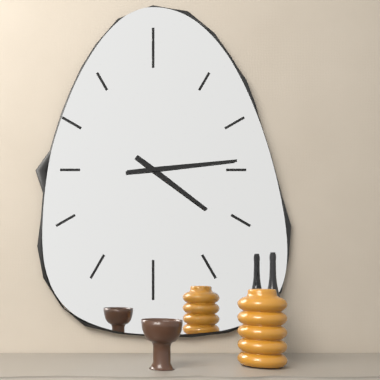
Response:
h=4 m=14
